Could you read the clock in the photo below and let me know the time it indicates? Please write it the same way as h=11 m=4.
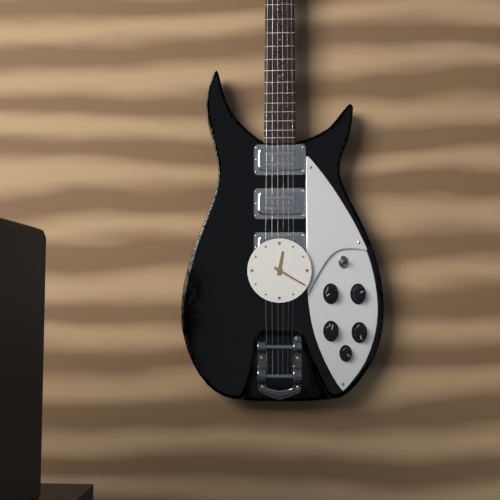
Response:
h=12 m=20
